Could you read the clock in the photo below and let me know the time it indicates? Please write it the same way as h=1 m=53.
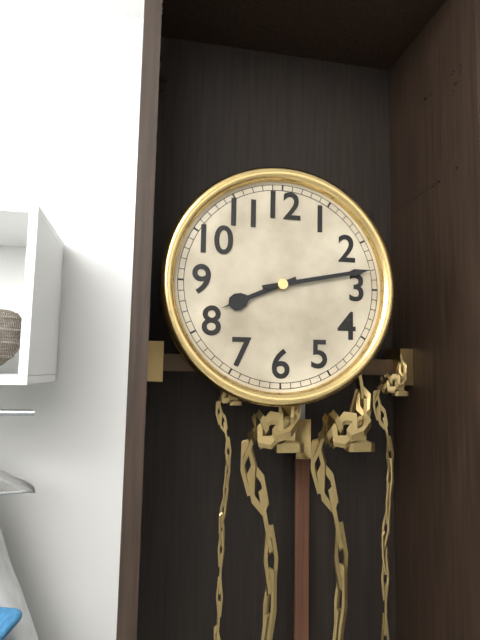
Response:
h=8 m=13
